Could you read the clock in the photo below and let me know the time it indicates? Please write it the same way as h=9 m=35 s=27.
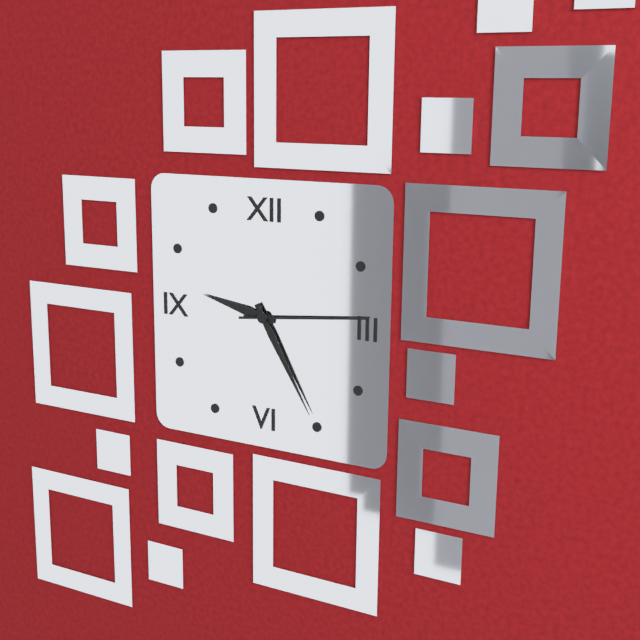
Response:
h=9 m=25 s=14
